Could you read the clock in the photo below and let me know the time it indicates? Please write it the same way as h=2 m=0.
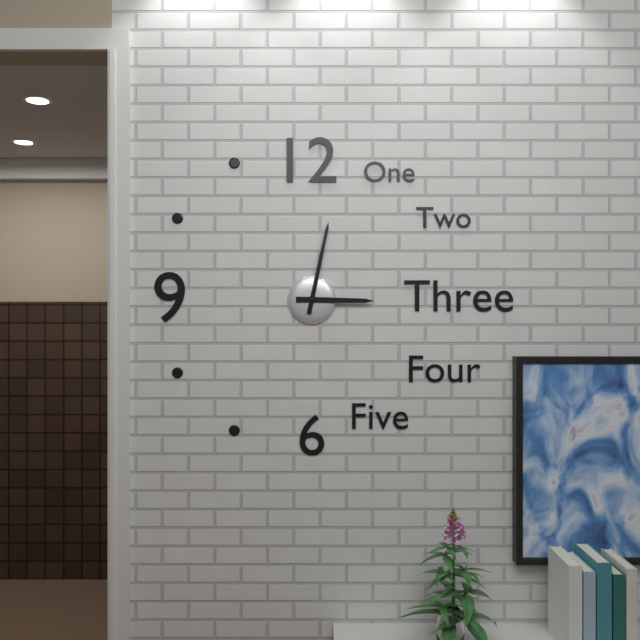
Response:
h=3 m=2
